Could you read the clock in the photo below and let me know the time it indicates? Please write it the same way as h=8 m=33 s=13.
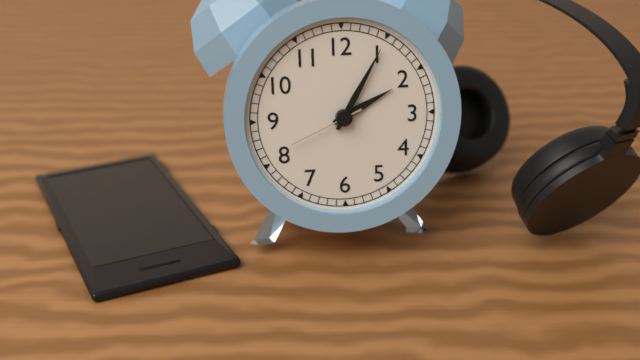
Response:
h=2 m=5 s=41
